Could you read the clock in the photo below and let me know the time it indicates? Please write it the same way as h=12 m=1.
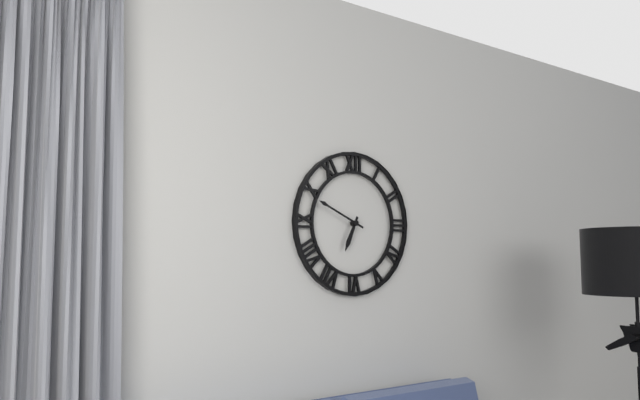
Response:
h=6 m=49
